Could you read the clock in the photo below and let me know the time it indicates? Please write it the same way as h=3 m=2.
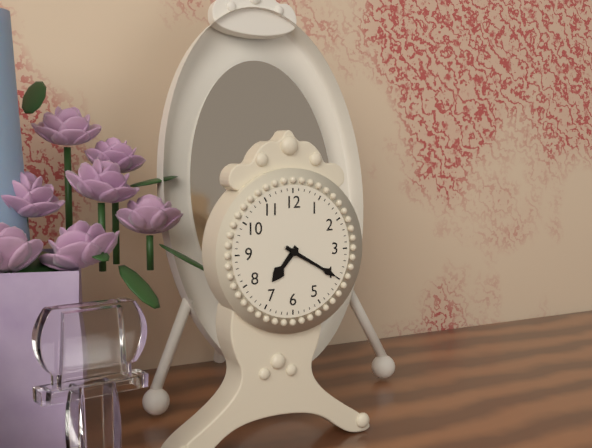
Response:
h=7 m=20
